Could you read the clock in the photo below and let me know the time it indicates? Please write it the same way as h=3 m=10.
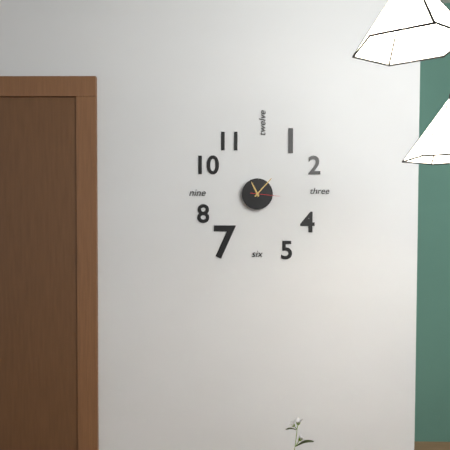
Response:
h=11 m=7
